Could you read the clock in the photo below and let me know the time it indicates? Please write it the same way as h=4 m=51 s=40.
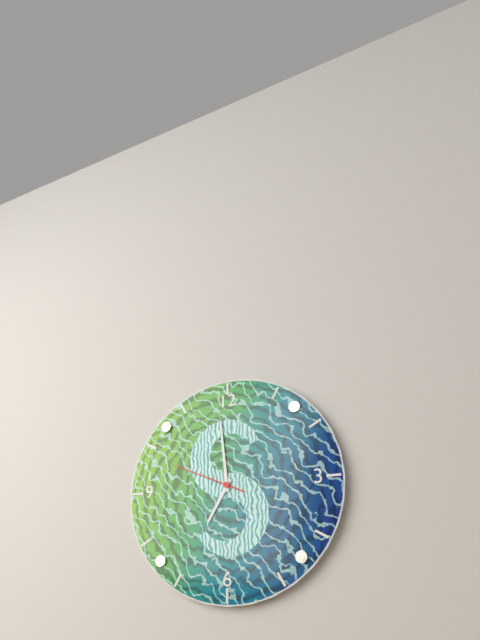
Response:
h=6 m=59 s=49
